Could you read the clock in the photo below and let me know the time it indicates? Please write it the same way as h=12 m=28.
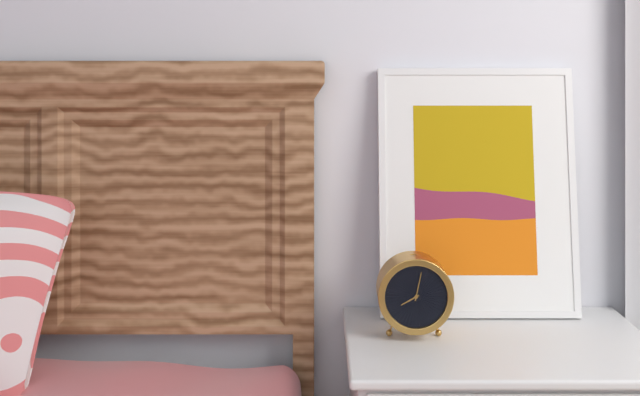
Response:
h=8 m=2
